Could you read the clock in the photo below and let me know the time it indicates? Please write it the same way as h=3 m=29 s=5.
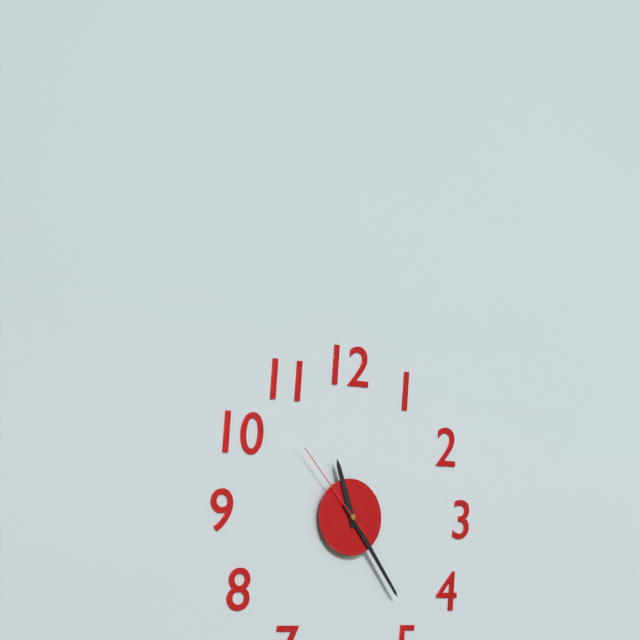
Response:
h=11 m=24 s=53
